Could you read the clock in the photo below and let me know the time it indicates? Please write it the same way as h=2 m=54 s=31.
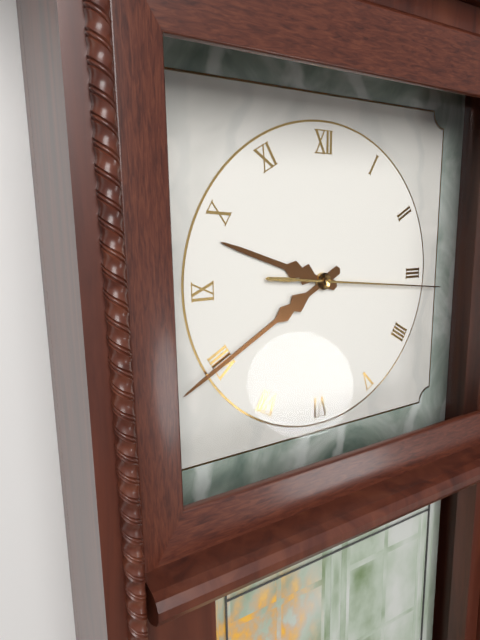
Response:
h=9 m=40 s=16
